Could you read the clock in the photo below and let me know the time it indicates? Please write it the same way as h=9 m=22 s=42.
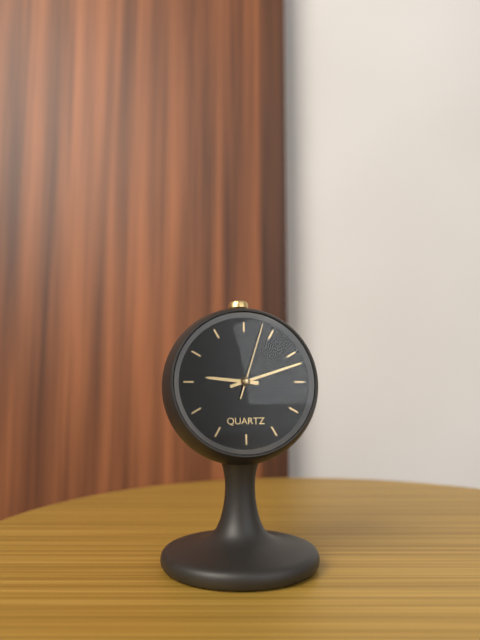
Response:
h=9 m=12 s=3
